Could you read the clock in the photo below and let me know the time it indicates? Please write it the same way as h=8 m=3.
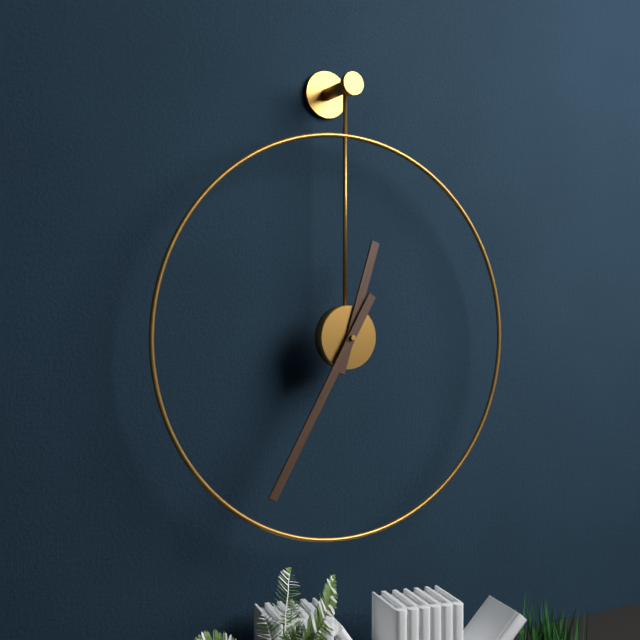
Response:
h=12 m=35
